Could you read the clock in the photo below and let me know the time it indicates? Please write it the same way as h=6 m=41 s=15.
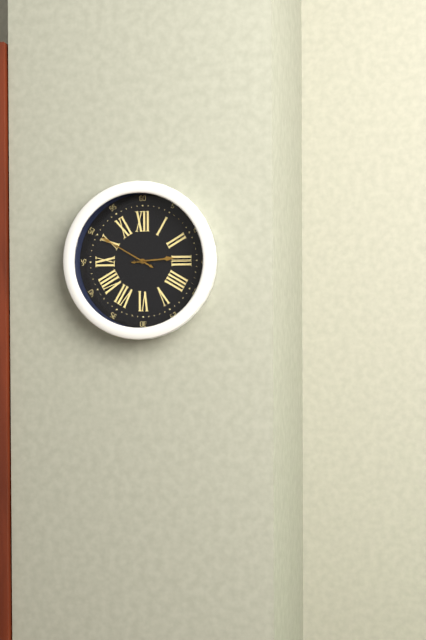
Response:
h=2 m=50 s=15
